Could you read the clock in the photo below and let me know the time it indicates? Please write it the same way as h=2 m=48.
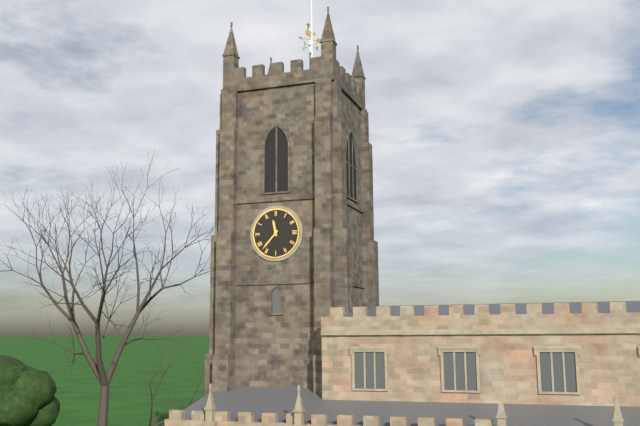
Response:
h=11 m=37
